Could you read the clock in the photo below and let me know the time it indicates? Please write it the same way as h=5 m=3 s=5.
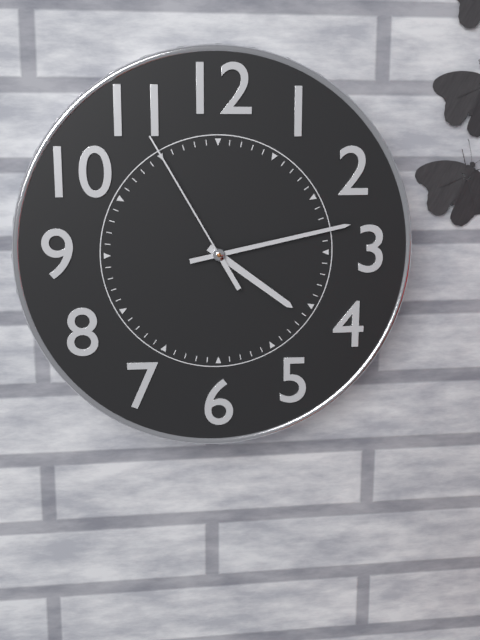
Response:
h=4 m=13 s=55
